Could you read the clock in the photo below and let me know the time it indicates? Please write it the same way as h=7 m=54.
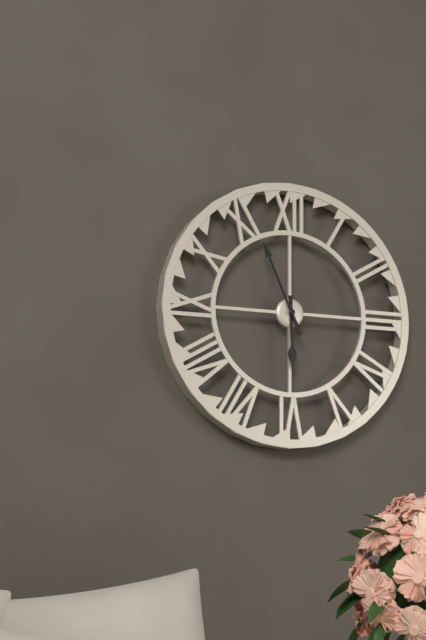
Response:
h=5 m=56
